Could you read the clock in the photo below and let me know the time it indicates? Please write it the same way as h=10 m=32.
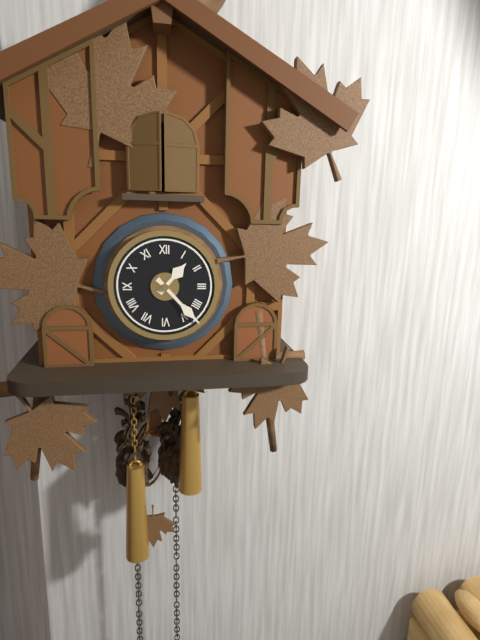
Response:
h=1 m=23
